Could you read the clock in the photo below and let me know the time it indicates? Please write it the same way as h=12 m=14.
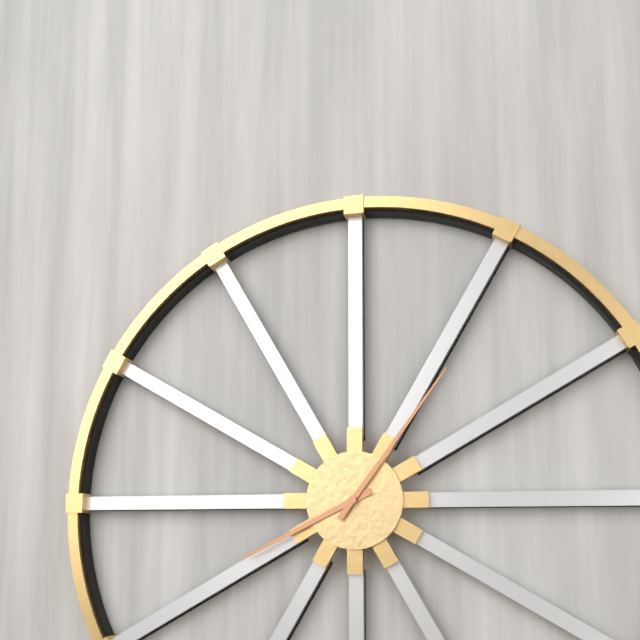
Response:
h=8 m=6
